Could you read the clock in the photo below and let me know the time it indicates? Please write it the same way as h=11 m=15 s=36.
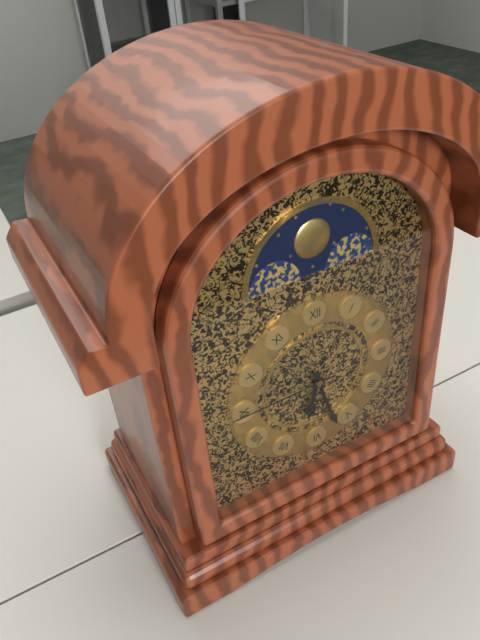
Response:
h=6 m=27 s=45
